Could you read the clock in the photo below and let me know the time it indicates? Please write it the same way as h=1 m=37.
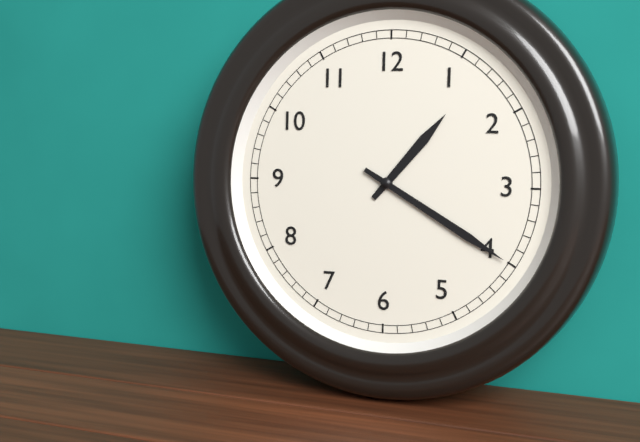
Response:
h=1 m=20
